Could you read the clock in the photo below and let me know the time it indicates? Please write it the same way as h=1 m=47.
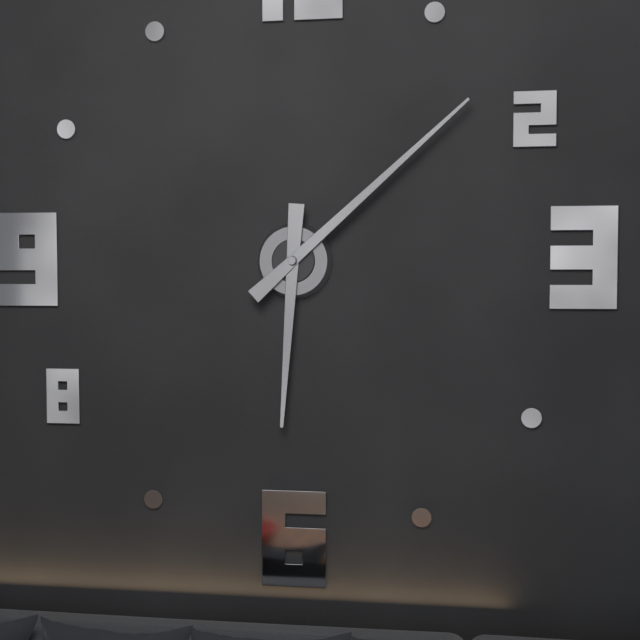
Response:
h=6 m=8
